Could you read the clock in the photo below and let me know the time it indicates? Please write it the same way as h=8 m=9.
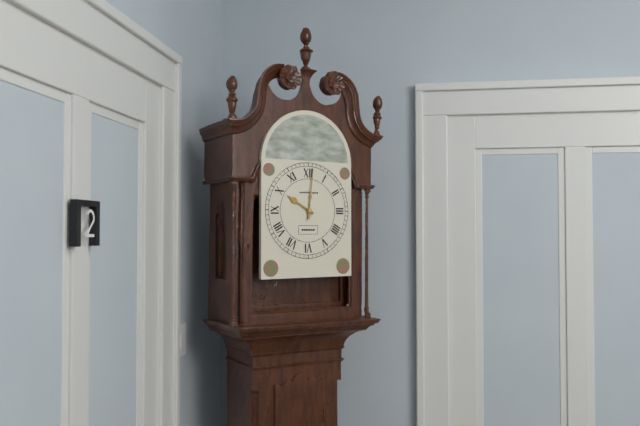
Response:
h=10 m=1
